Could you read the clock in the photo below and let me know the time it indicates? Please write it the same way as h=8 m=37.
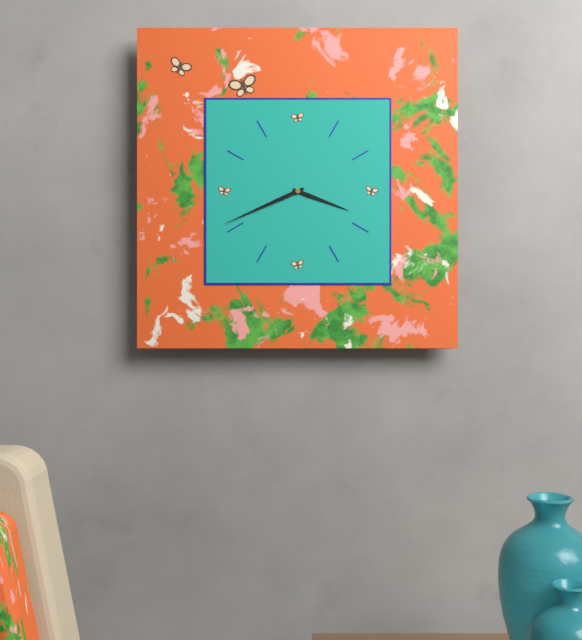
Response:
h=3 m=41
